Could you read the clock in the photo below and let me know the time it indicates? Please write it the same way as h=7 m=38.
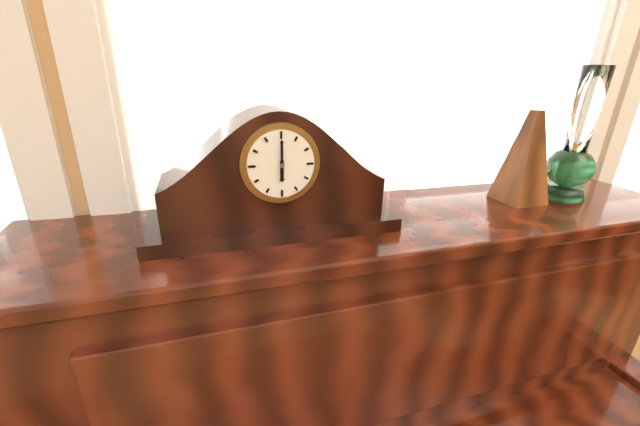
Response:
h=6 m=0
